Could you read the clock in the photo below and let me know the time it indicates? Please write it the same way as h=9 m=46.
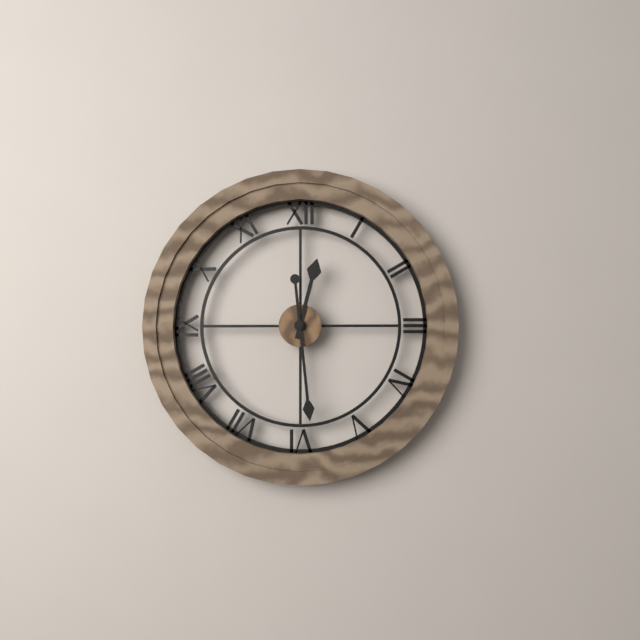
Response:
h=12 m=29
